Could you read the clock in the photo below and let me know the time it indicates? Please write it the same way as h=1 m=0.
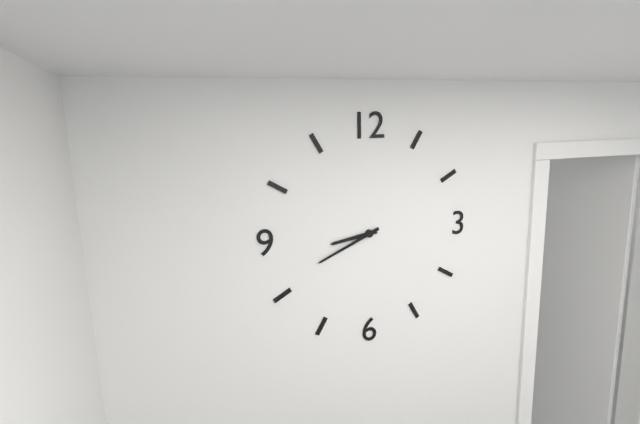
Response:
h=8 m=41
